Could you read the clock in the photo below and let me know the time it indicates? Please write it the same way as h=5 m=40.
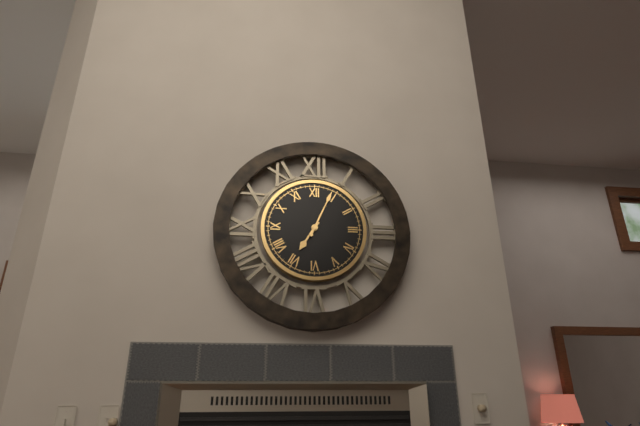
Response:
h=7 m=4
